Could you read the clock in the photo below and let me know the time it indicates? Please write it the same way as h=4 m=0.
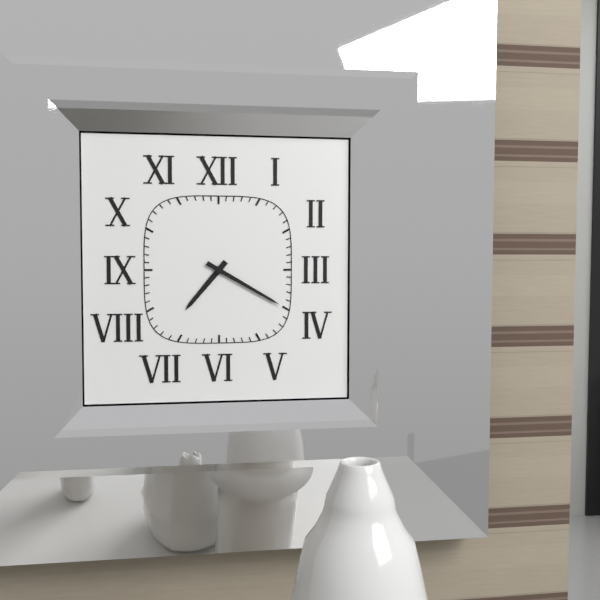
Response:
h=7 m=20
